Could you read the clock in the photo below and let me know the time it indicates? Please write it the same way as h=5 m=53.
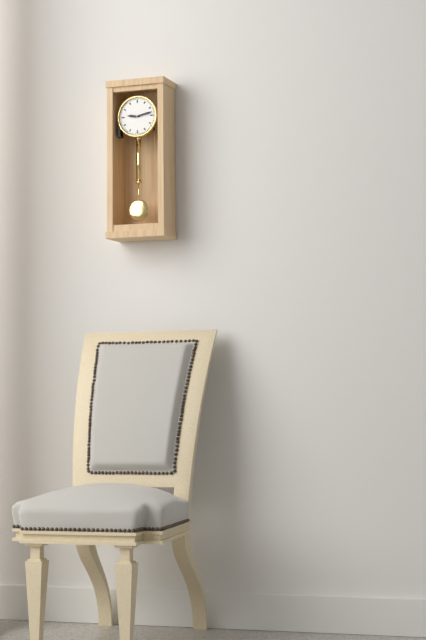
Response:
h=9 m=13
